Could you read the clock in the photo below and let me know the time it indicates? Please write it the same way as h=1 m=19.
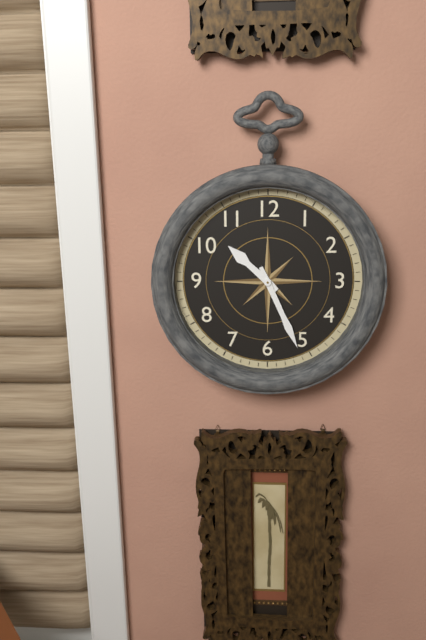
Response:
h=10 m=26
